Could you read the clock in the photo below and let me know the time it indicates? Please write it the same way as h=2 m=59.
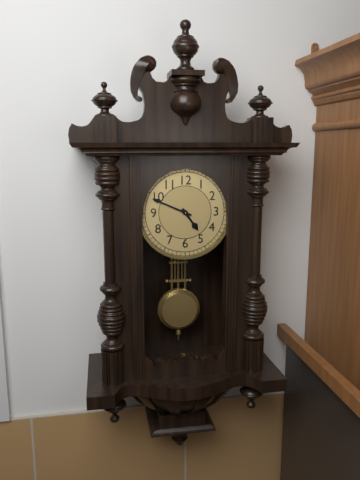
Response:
h=4 m=49
